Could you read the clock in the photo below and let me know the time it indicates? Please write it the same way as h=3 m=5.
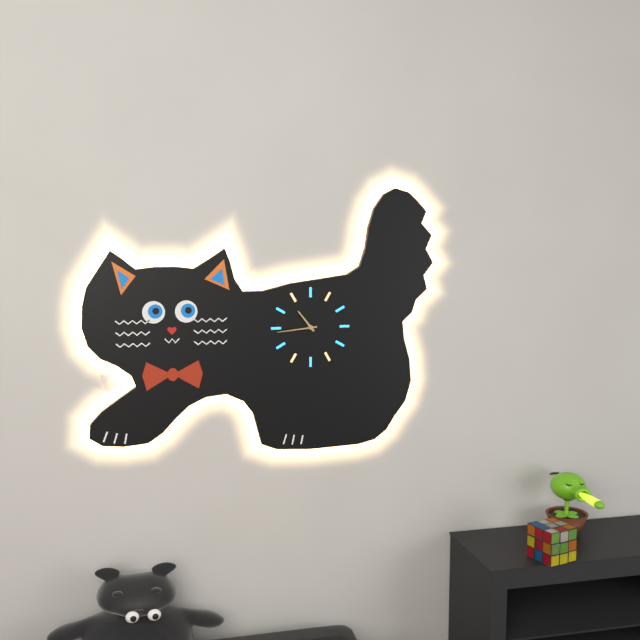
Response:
h=10 m=44
